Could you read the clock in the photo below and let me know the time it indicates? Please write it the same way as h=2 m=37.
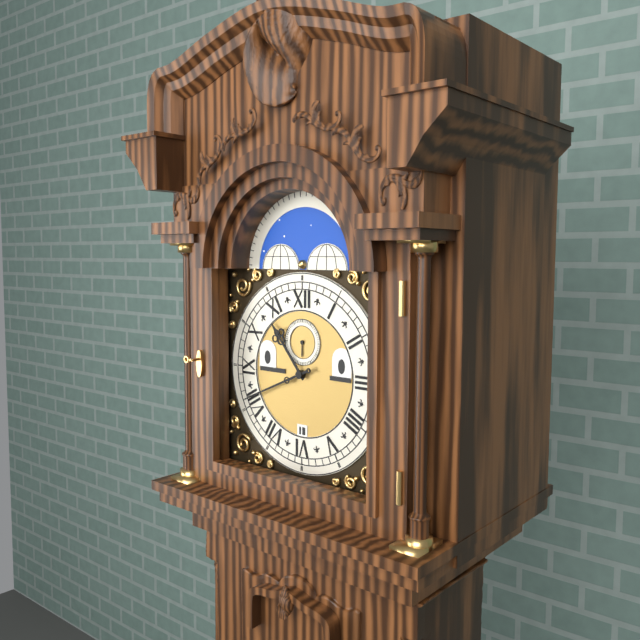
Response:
h=10 m=41
